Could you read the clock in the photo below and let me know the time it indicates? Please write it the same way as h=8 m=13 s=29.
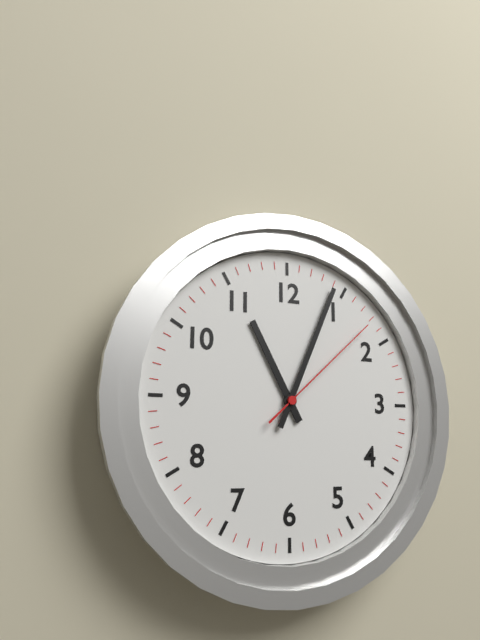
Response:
h=11 m=4 s=8
